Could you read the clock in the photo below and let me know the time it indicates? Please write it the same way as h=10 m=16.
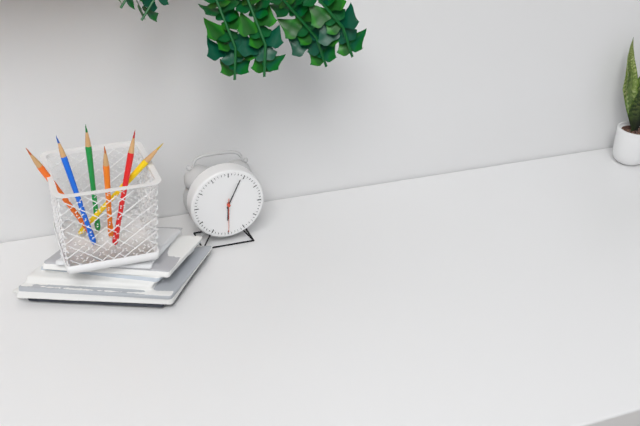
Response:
h=6 m=4
